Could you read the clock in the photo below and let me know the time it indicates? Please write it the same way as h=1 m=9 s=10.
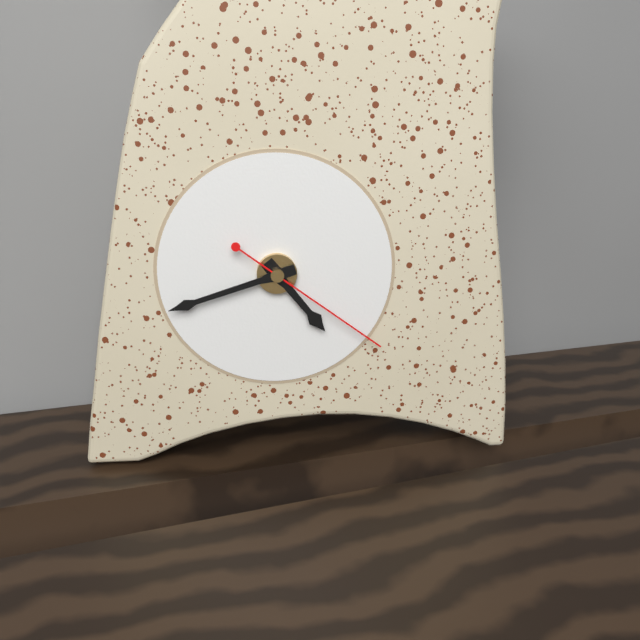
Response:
h=4 m=42 s=21
